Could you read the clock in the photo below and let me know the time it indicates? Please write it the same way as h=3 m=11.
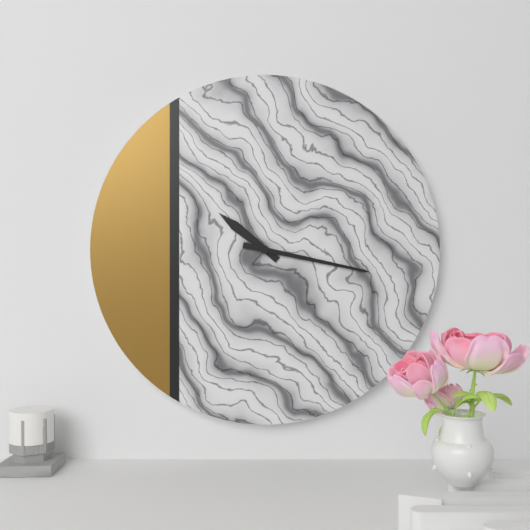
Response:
h=10 m=17
